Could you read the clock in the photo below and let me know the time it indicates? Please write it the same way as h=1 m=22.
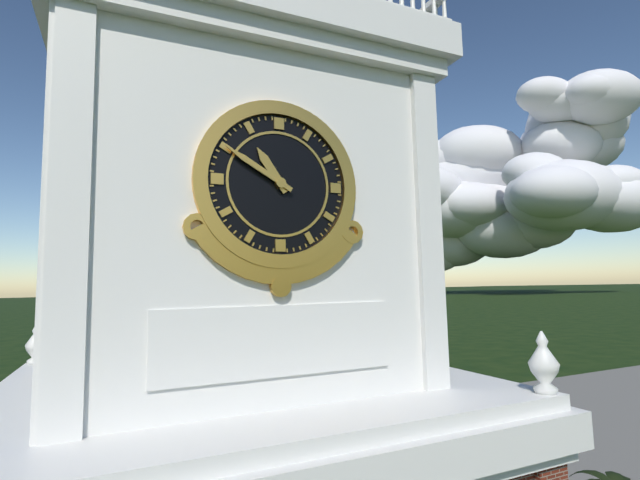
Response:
h=10 m=50
